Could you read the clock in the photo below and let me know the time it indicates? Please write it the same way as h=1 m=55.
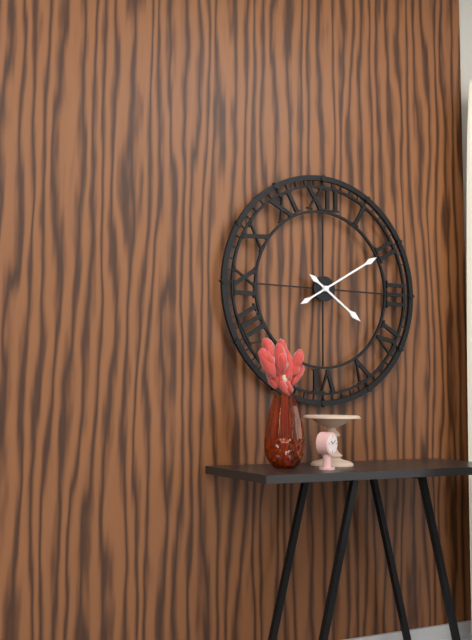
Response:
h=4 m=10
